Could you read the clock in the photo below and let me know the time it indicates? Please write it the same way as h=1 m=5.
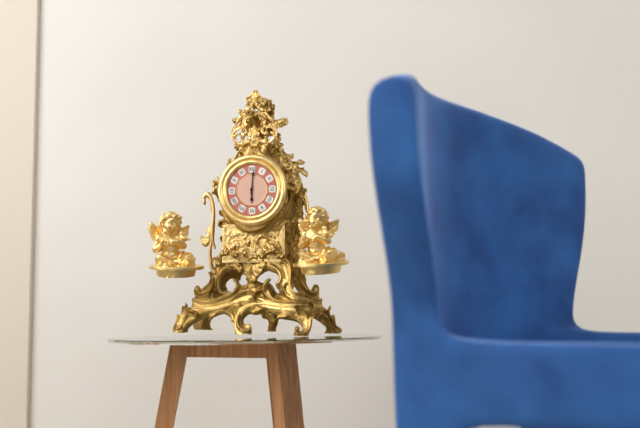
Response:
h=6 m=1
